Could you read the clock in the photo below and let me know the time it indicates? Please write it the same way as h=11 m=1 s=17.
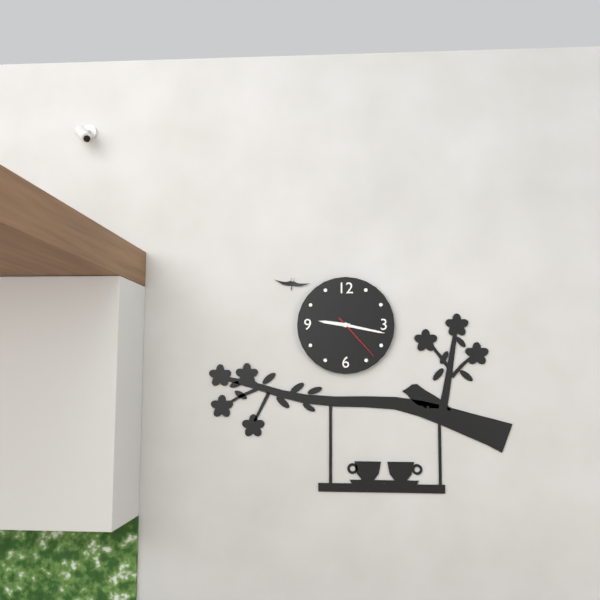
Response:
h=9 m=17 s=23
